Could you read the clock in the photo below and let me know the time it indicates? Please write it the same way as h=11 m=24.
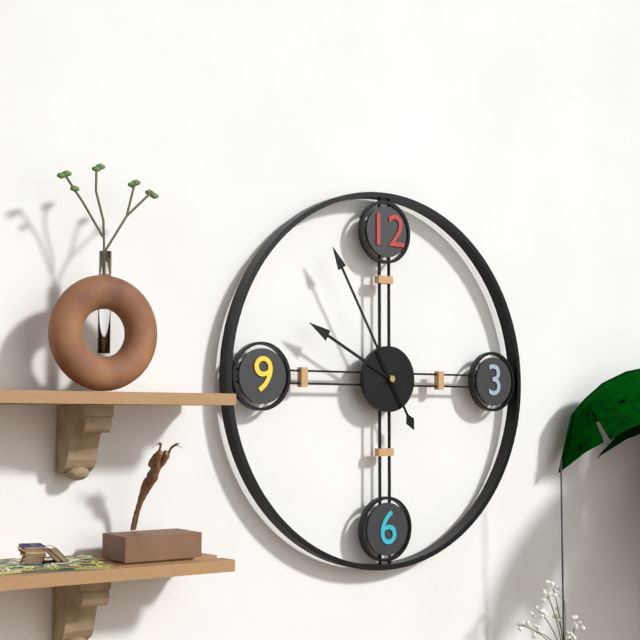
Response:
h=9 m=55
